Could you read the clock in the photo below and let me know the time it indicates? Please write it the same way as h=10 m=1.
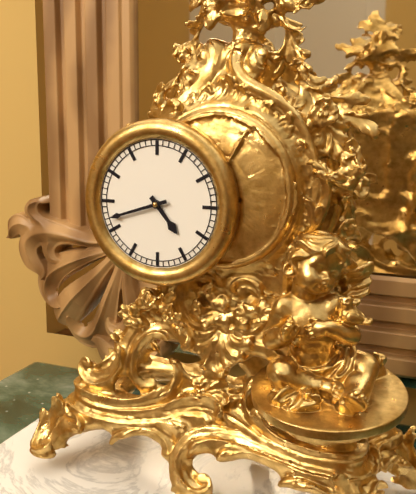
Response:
h=4 m=42
